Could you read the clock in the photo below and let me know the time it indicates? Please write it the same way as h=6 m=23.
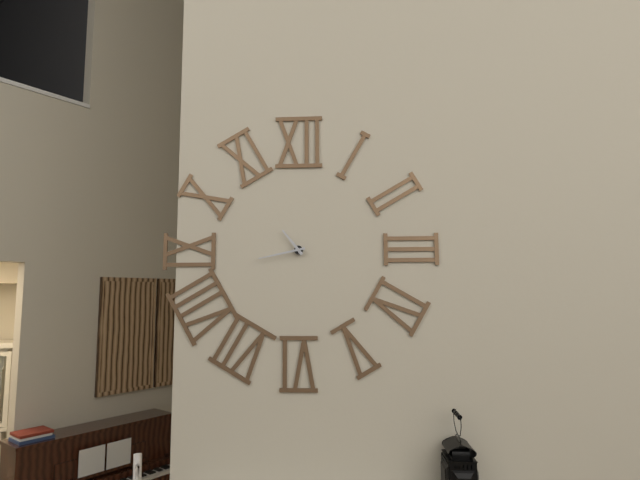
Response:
h=10 m=43
